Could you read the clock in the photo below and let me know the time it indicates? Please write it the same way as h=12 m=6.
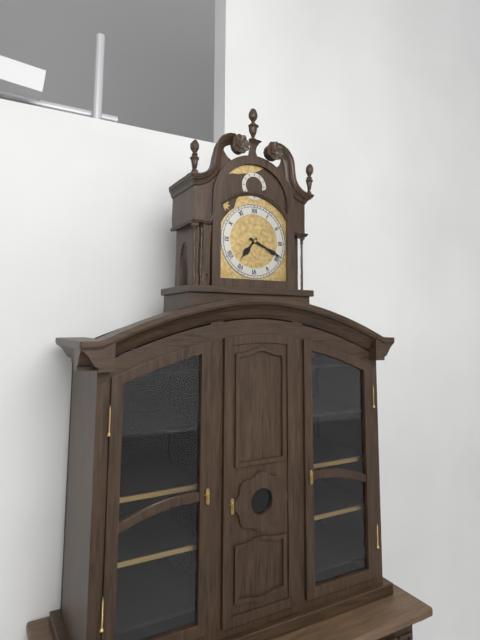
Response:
h=7 m=19
